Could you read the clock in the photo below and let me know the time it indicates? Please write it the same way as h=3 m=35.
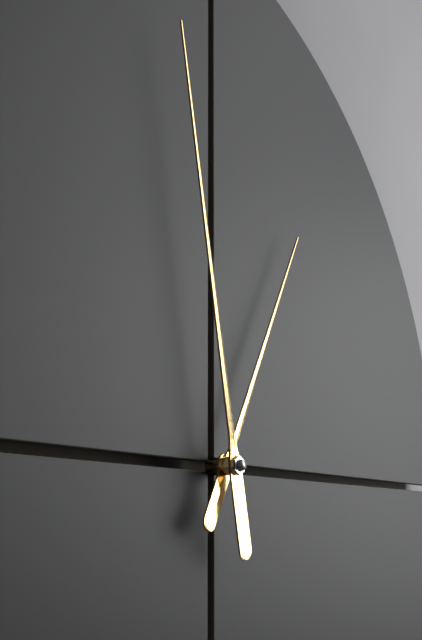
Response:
h=12 m=58
